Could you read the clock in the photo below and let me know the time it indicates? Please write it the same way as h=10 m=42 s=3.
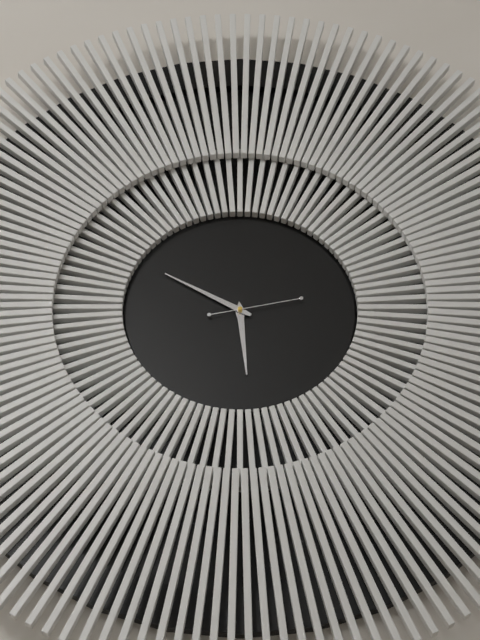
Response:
h=5 m=50 s=13
